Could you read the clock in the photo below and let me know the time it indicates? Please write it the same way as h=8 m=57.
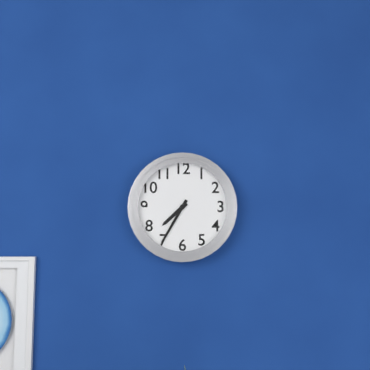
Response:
h=7 m=35
